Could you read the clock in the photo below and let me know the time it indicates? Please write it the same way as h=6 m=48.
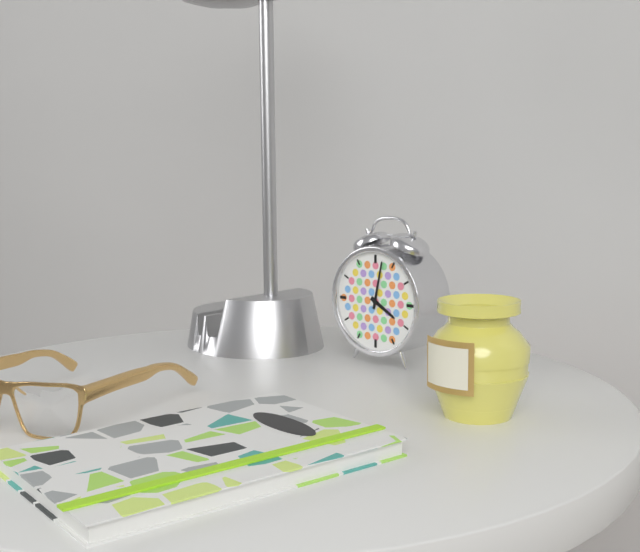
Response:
h=4 m=2
